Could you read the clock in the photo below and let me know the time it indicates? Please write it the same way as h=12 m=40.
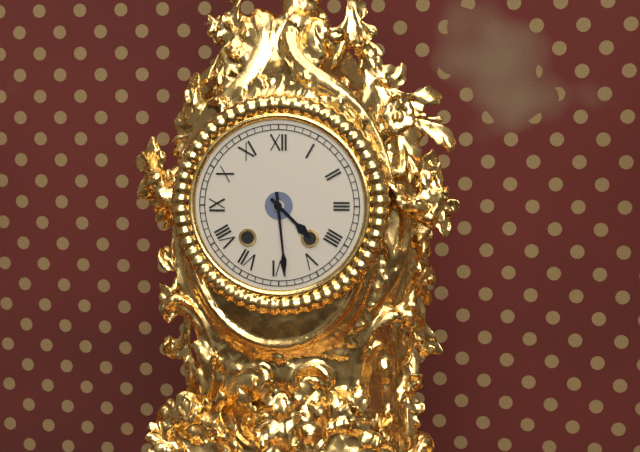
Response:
h=4 m=29
